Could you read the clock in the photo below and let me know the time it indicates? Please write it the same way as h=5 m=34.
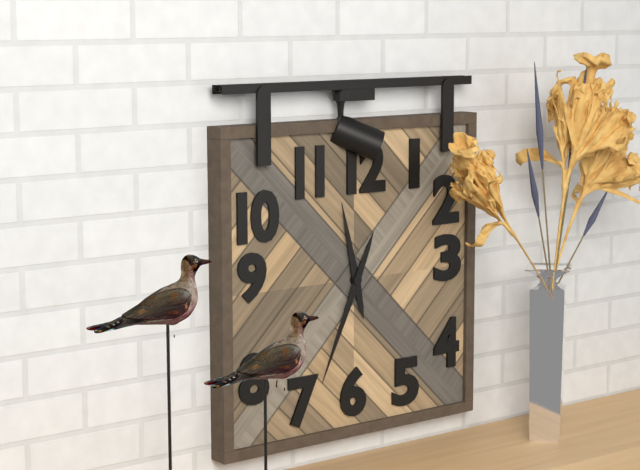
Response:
h=11 m=34
